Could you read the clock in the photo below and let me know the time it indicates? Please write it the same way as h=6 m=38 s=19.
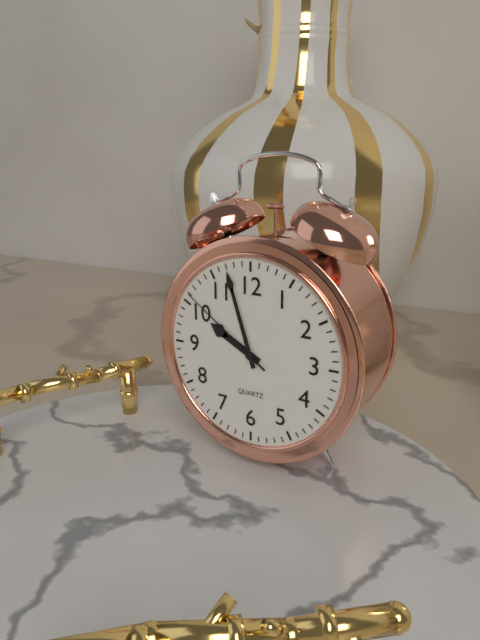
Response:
h=9 m=57 s=51
